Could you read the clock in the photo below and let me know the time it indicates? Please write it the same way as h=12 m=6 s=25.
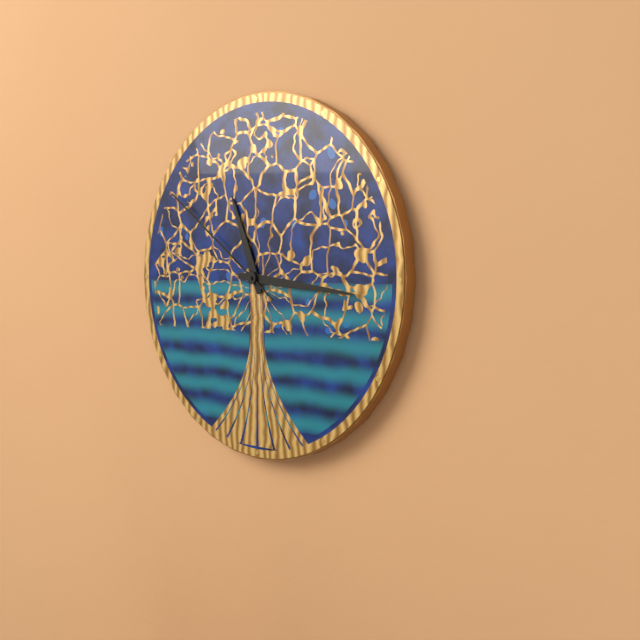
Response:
h=11 m=16 s=51
